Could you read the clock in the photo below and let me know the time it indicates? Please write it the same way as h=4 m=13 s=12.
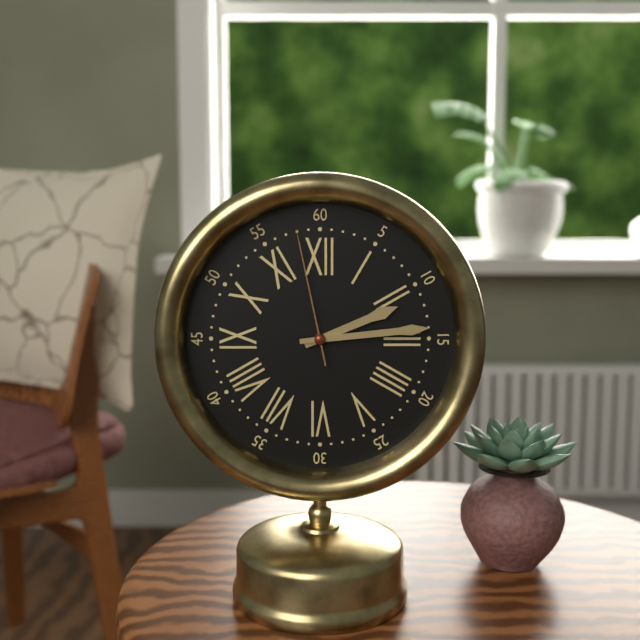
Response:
h=2 m=14 s=58
